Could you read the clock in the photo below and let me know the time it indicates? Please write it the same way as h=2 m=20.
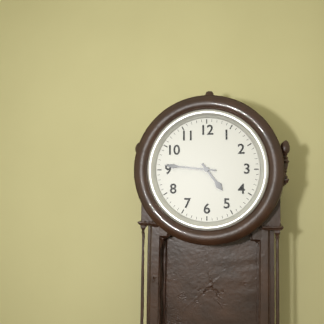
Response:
h=4 m=46
